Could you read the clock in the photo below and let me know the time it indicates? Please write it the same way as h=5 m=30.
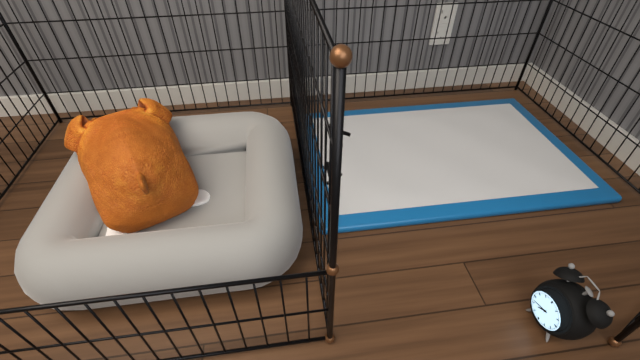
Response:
h=7 m=42
